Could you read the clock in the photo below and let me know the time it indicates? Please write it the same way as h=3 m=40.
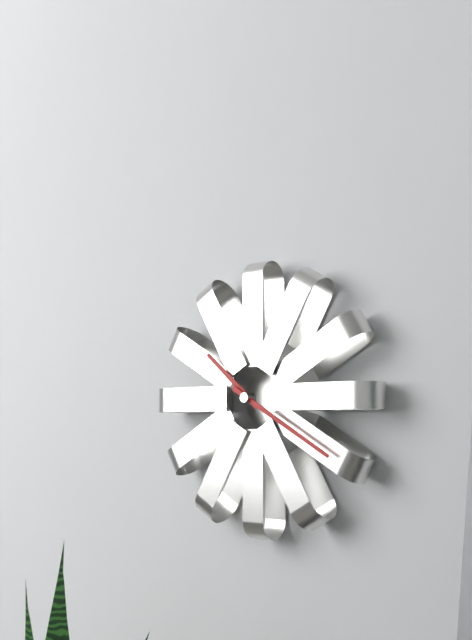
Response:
h=10 m=20
